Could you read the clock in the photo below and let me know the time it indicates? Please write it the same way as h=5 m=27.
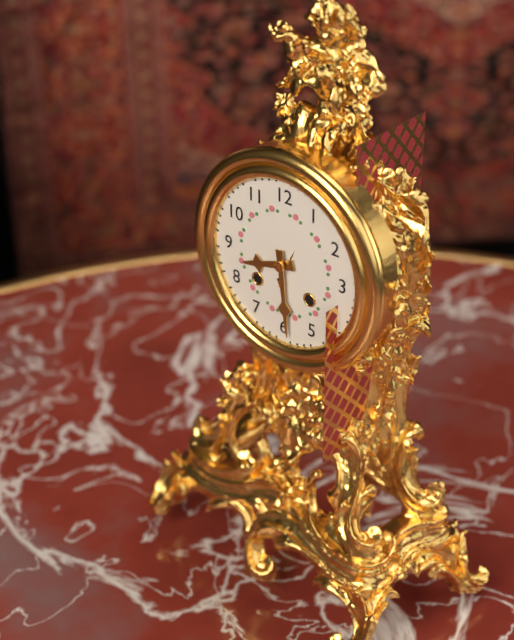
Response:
h=8 m=29
